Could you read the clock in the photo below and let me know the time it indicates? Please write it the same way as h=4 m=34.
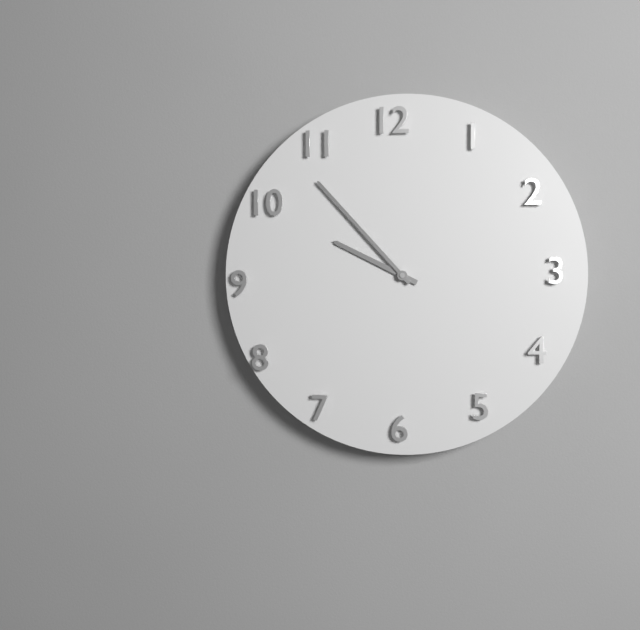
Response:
h=9 m=53
